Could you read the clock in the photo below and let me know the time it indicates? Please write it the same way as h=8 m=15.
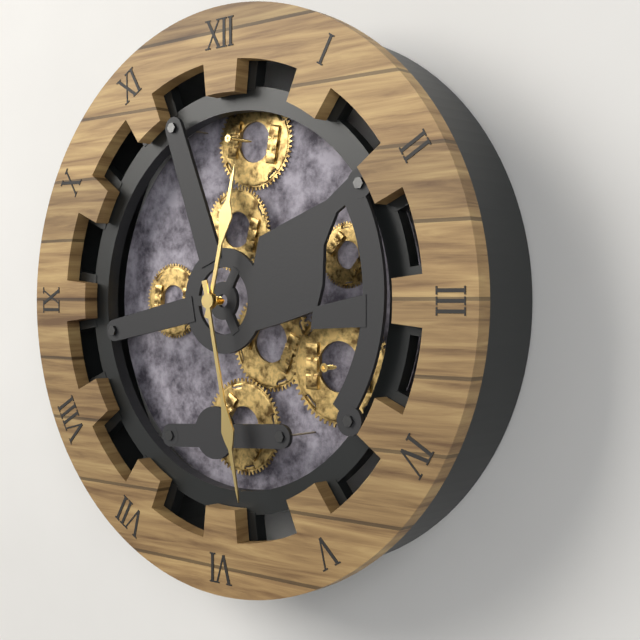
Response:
h=12 m=28
